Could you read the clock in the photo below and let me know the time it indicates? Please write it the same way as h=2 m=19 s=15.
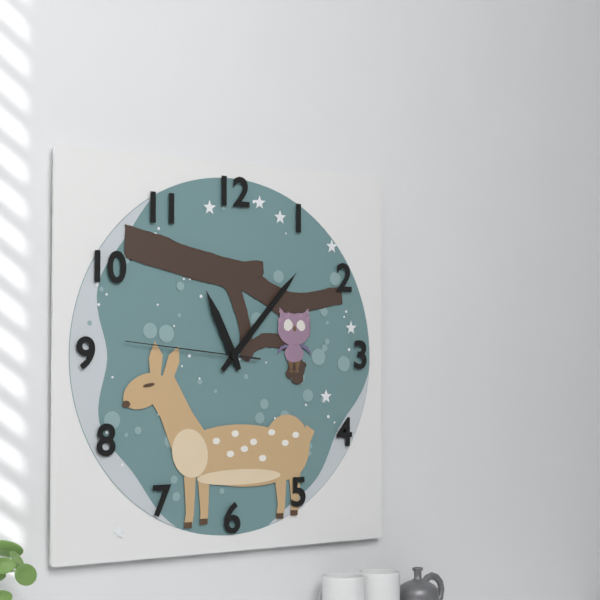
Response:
h=11 m=7 s=46
